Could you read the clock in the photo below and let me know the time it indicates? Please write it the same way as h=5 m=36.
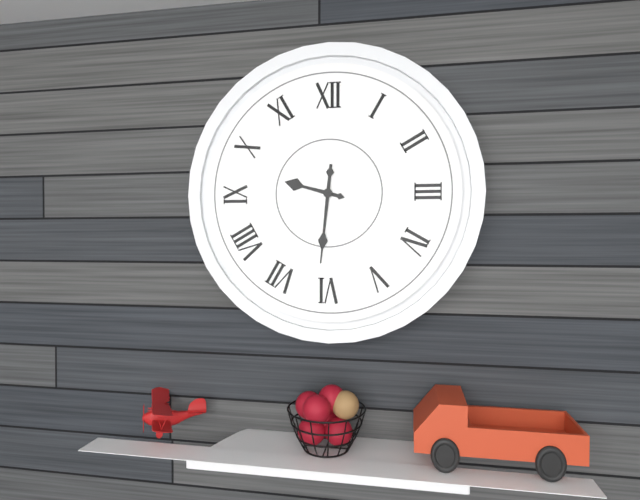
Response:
h=9 m=31
